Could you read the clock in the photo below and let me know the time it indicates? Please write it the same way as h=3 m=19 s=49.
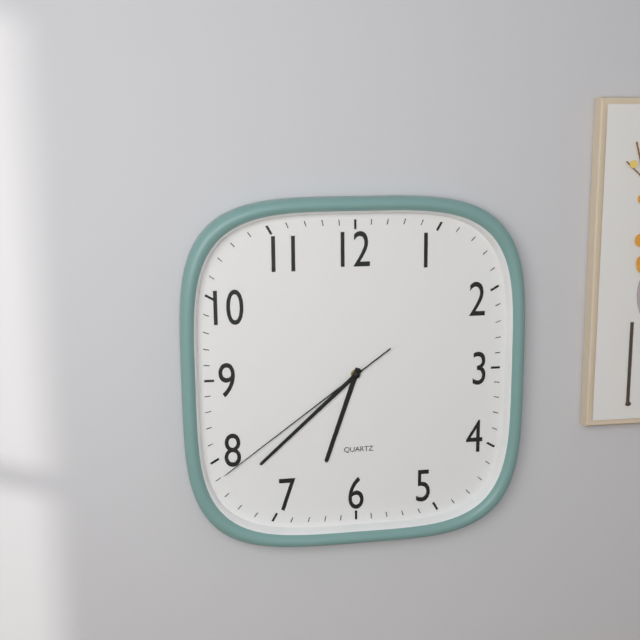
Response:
h=6 m=38 s=39
